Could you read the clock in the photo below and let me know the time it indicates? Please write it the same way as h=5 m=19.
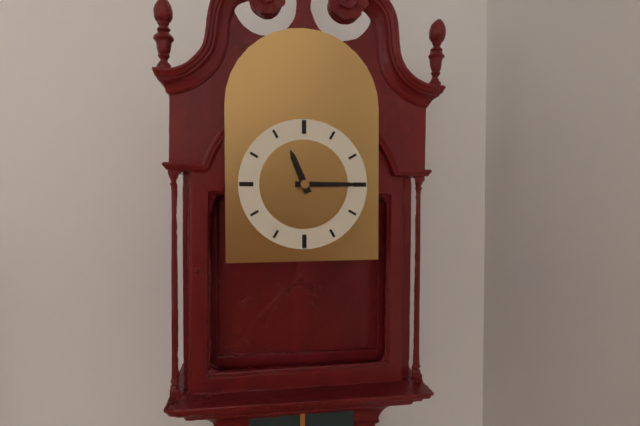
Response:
h=11 m=15
